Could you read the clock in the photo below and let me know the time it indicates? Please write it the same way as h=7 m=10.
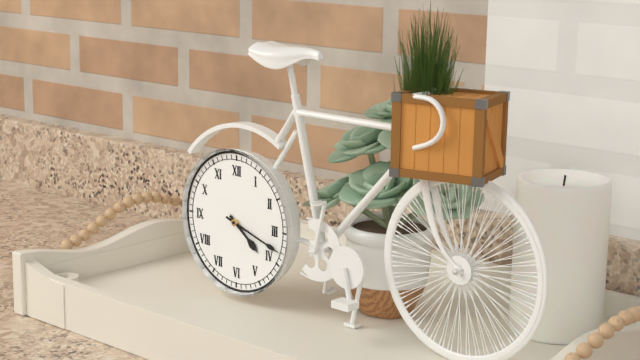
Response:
h=4 m=18
